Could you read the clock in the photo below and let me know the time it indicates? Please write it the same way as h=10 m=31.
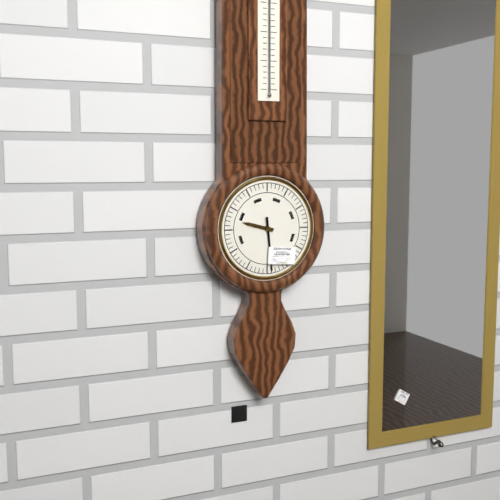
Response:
h=9 m=29
